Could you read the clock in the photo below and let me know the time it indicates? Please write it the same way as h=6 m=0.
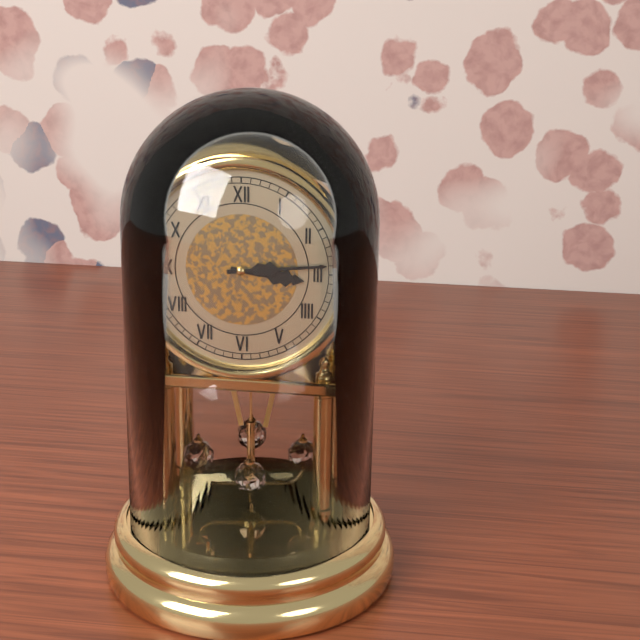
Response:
h=3 m=14
